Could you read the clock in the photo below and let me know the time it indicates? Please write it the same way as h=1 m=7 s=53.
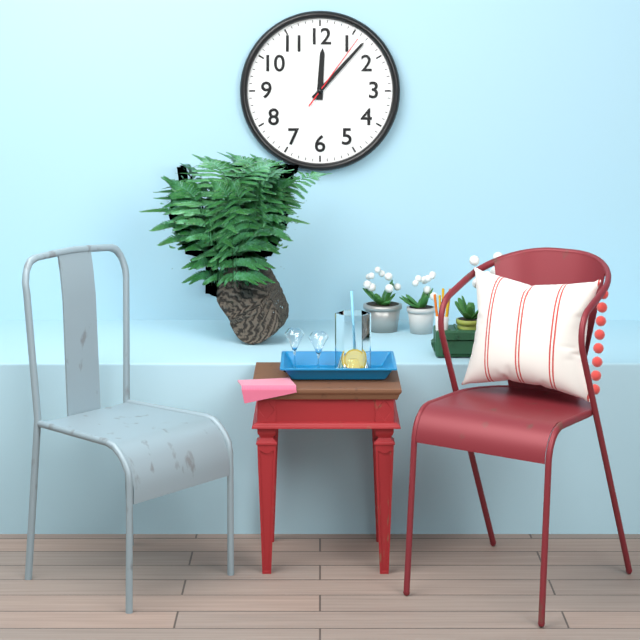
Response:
h=12 m=7 s=6
